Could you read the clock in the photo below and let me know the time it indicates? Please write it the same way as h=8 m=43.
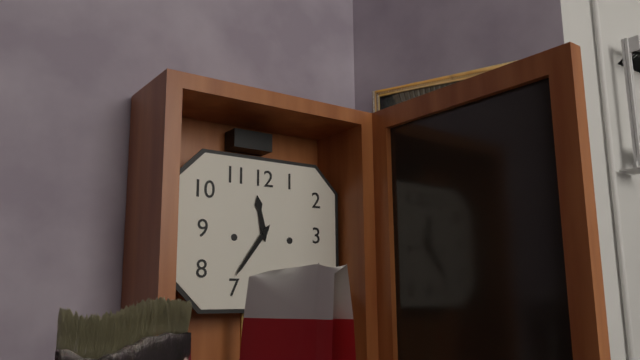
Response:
h=11 m=36
